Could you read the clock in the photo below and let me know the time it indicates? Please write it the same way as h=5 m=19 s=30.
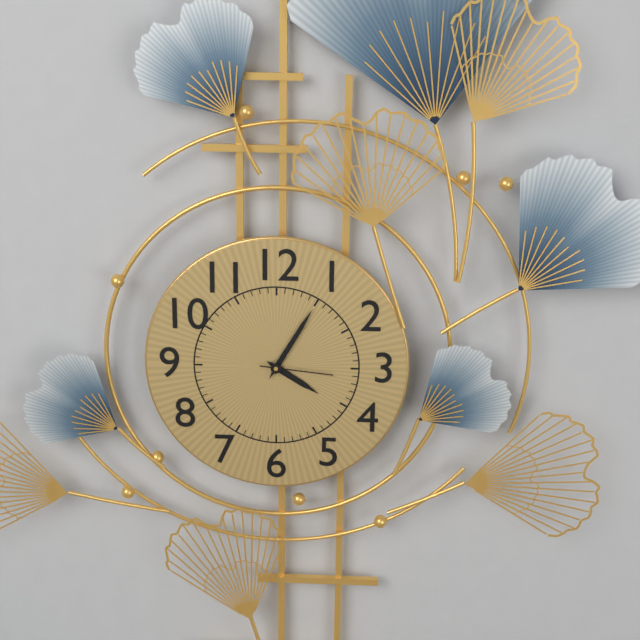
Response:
h=4 m=5 s=16
